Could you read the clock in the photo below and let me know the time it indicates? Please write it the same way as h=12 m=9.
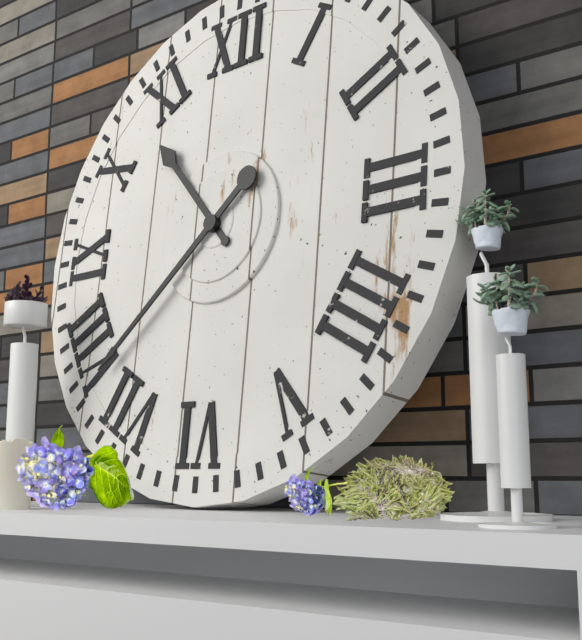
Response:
h=10 m=38
